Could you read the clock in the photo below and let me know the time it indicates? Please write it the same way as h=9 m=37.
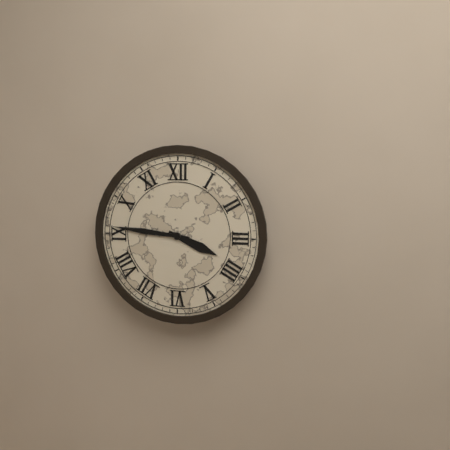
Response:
h=3 m=46
